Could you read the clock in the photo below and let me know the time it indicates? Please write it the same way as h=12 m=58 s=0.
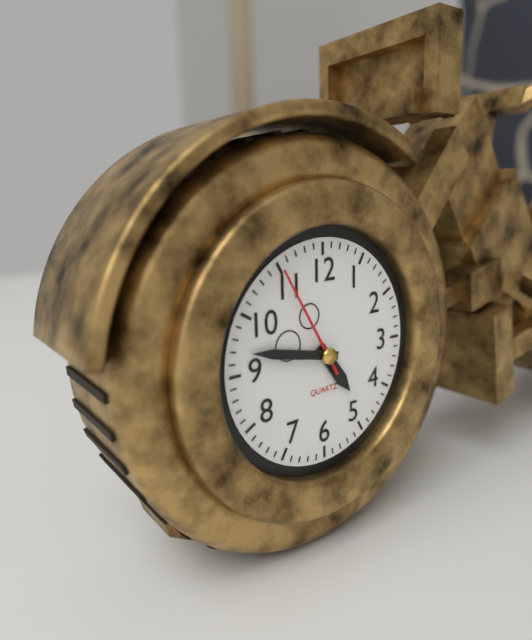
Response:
h=4 m=47 s=55
